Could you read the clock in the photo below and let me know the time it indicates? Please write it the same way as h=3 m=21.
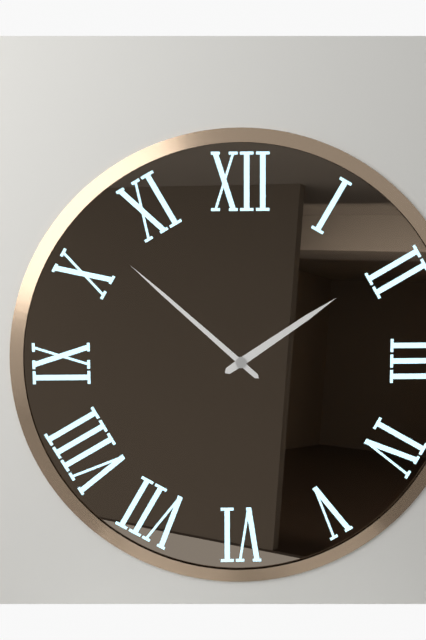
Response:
h=1 m=52
